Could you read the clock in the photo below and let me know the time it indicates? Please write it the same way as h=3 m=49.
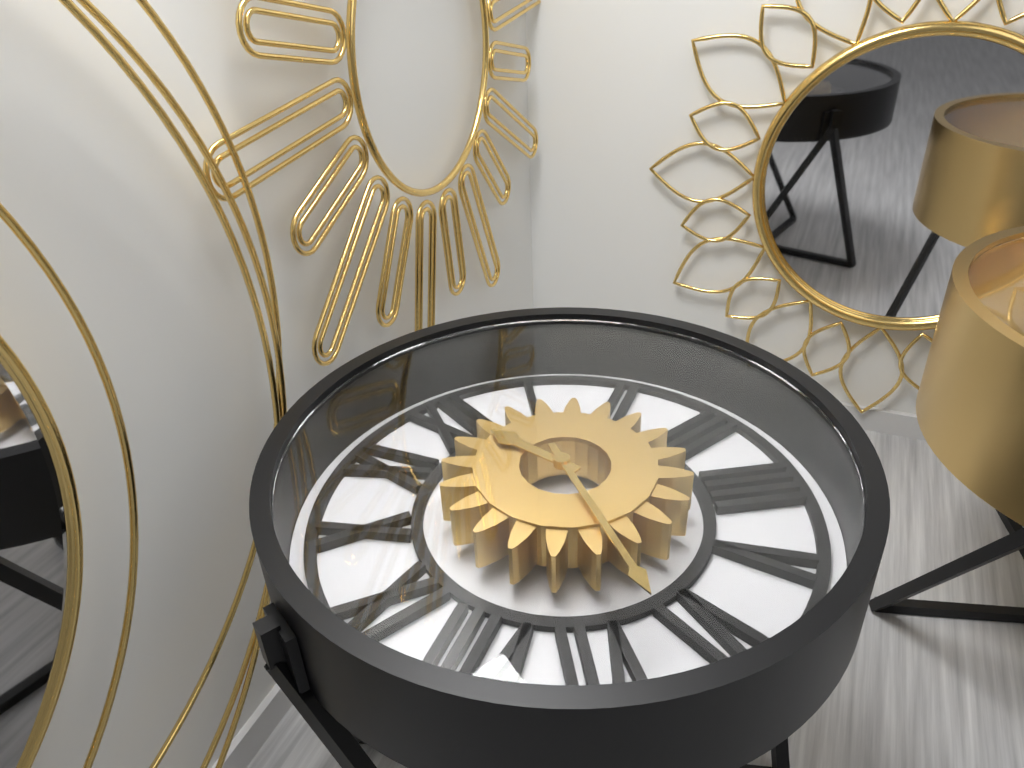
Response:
h=11 m=33
